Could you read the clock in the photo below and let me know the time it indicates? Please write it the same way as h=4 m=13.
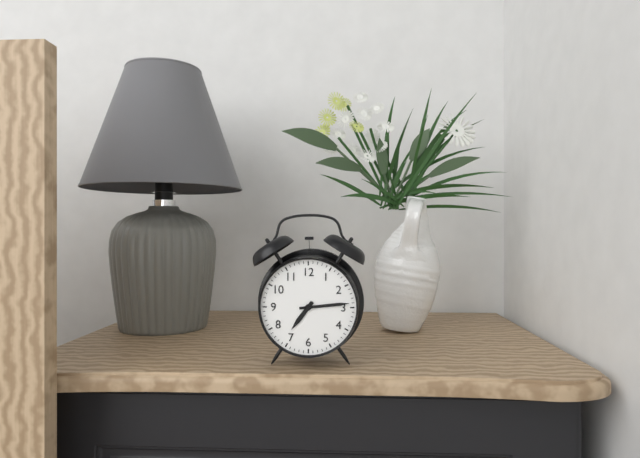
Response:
h=7 m=14
